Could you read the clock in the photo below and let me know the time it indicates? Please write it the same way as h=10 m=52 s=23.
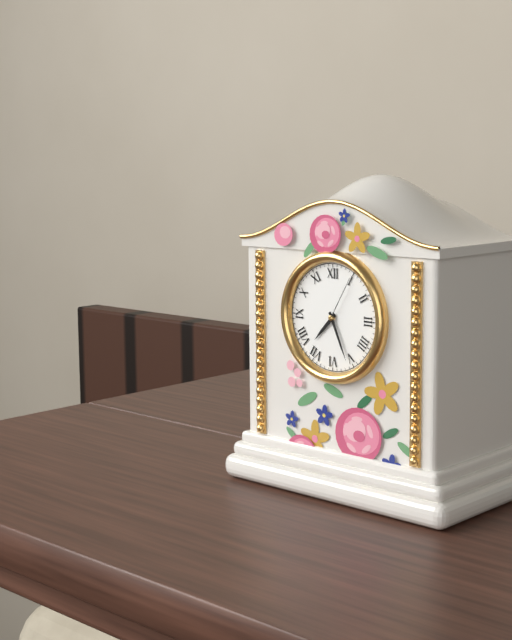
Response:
h=7 m=26 s=5
